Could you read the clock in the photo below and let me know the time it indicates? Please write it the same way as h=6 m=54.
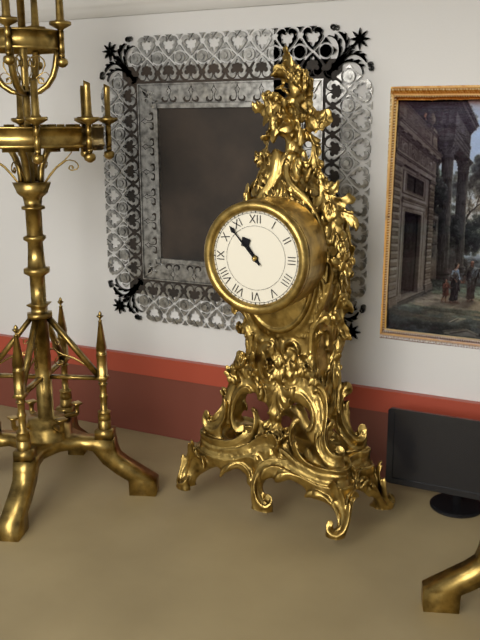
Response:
h=10 m=53
